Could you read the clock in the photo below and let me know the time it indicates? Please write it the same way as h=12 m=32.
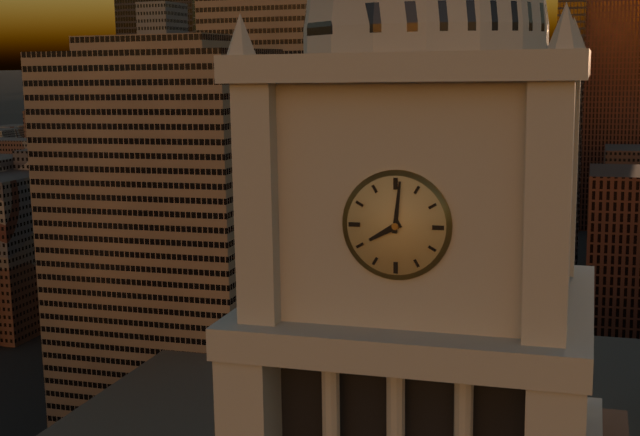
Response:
h=8 m=1
